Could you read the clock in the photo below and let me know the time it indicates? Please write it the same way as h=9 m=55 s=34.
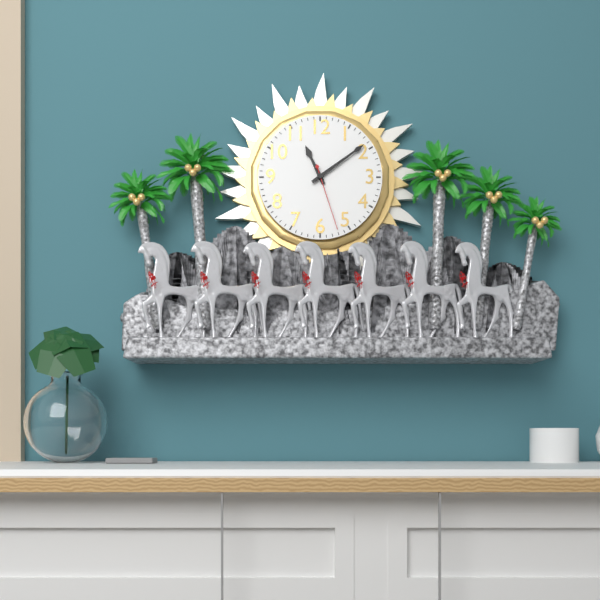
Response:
h=11 m=9 s=27
